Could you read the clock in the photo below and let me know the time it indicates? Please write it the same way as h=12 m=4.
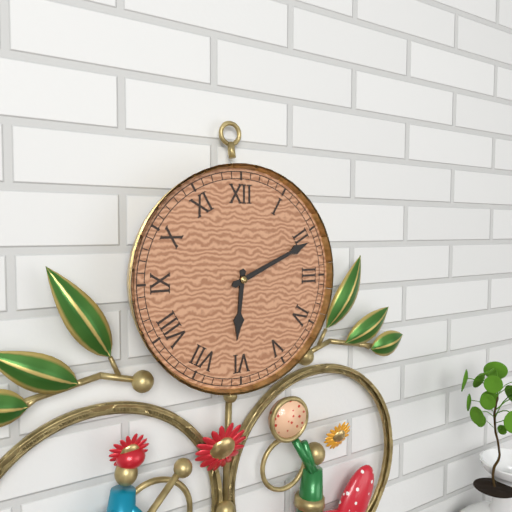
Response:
h=6 m=11
